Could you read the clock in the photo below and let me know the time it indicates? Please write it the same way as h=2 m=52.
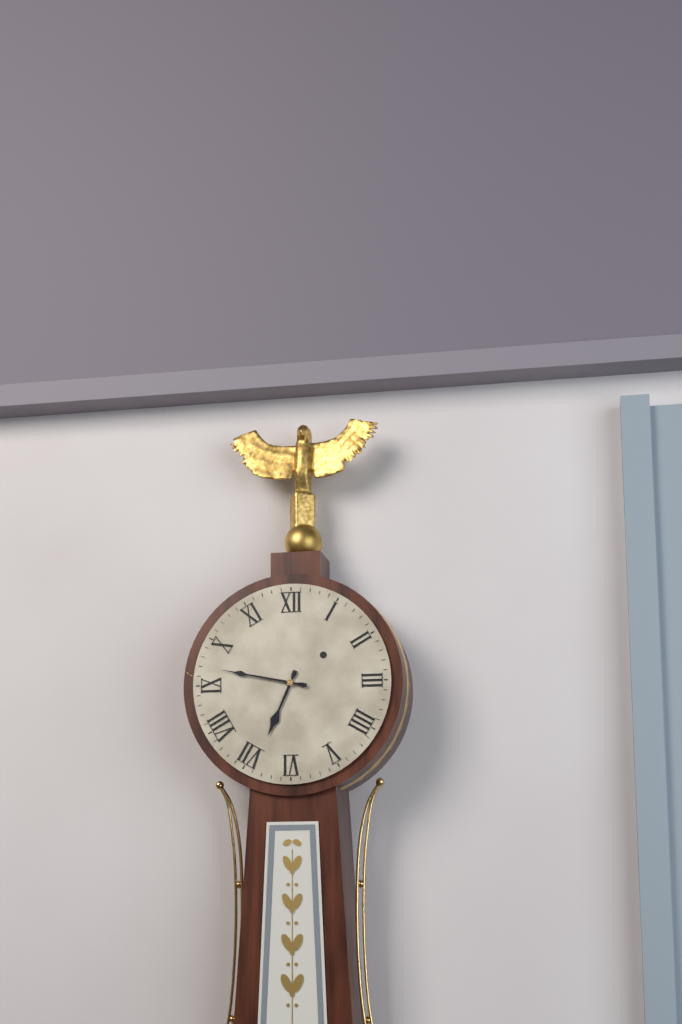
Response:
h=6 m=47
